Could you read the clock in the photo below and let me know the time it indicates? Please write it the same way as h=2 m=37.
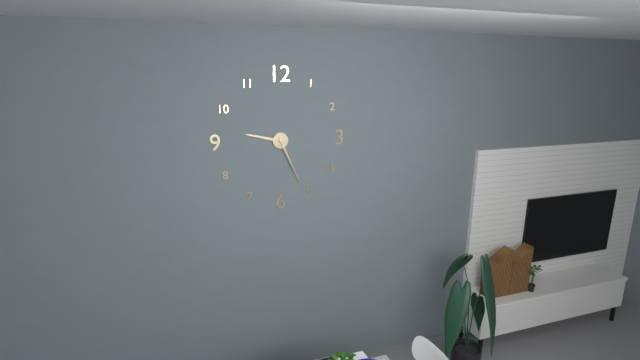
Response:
h=9 m=26
